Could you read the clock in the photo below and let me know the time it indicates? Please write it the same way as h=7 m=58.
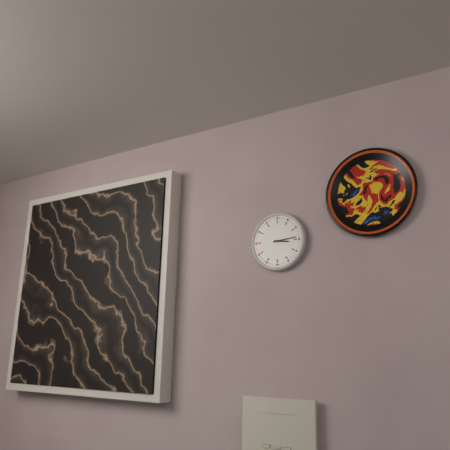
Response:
h=3 m=14
